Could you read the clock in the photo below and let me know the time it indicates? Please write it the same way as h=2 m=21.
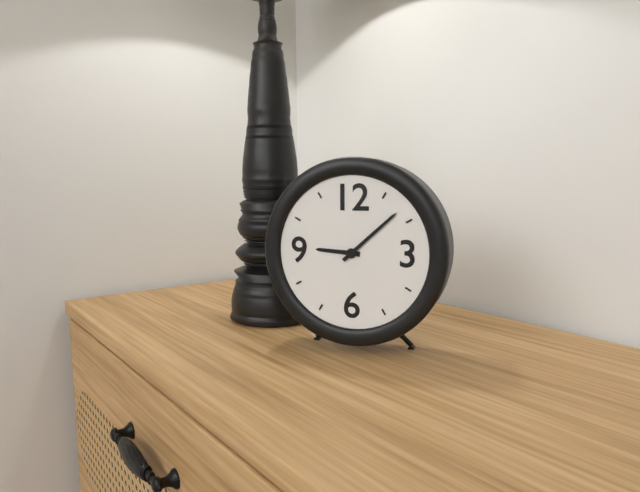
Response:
h=9 m=8
